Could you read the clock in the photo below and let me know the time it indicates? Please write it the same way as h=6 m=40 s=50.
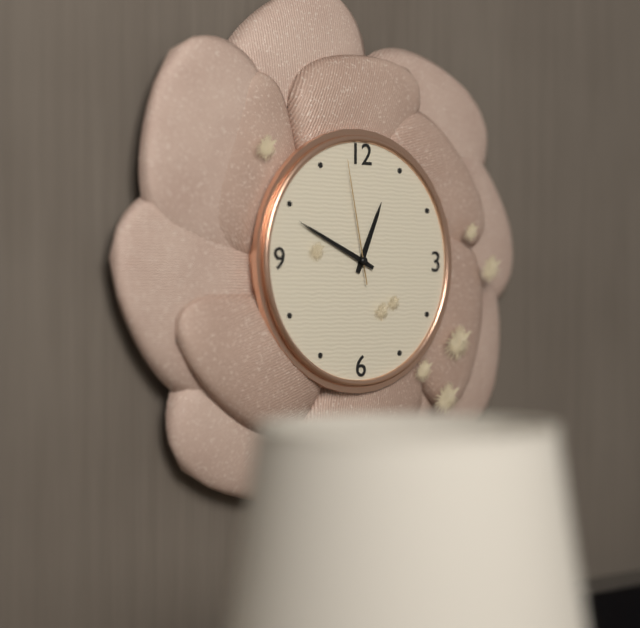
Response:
h=12 m=49 s=58
